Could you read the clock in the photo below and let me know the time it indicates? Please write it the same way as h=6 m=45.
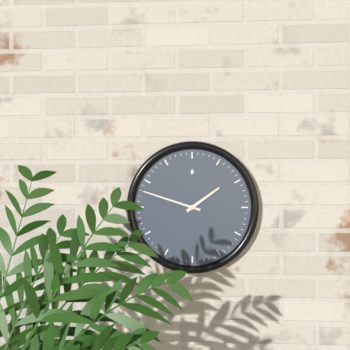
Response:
h=1 m=48
